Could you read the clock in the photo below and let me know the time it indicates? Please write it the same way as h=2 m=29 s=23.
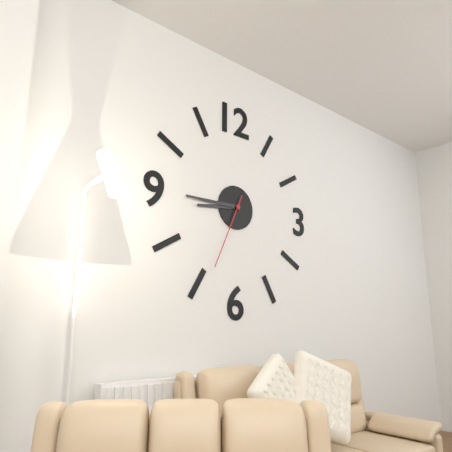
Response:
h=8 m=45 s=34
